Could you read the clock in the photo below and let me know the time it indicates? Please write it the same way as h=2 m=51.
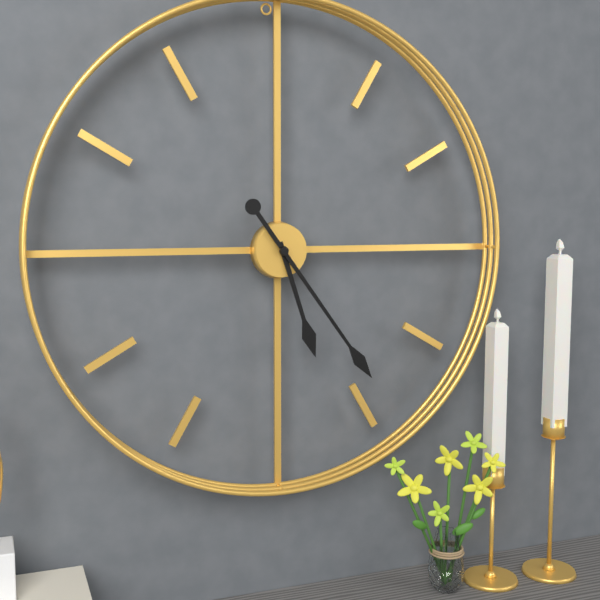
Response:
h=5 m=24
